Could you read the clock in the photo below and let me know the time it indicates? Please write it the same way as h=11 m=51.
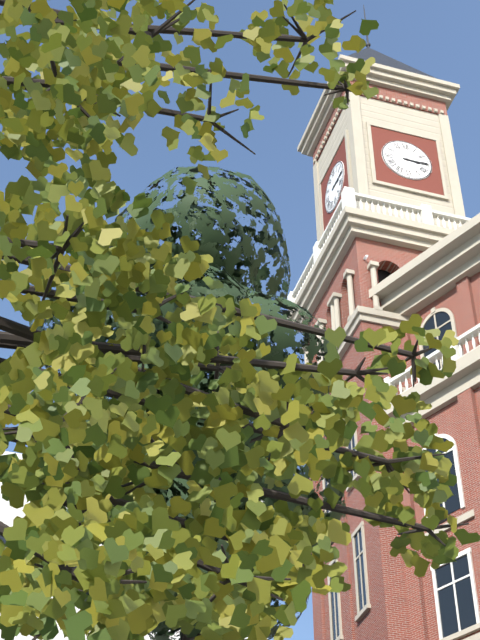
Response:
h=3 m=15
